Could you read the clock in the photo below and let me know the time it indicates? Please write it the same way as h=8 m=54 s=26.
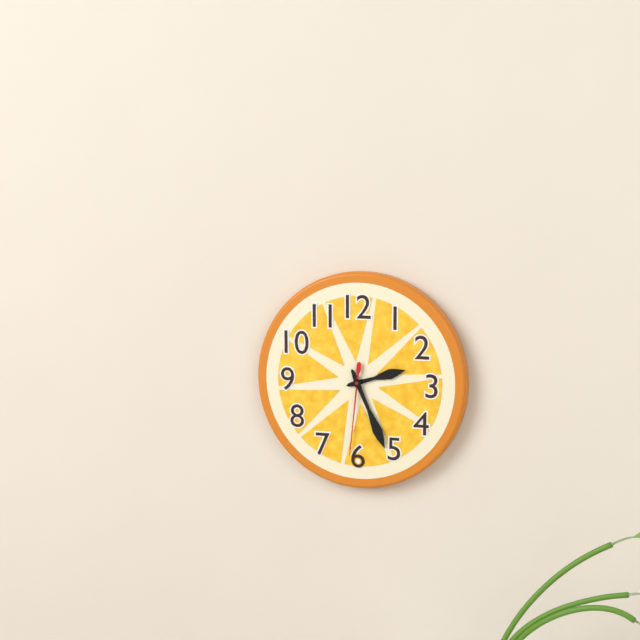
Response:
h=2 m=26 s=31
